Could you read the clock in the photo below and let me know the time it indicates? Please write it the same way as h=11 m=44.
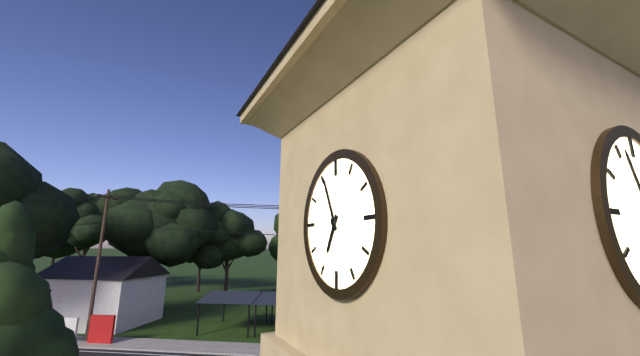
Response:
h=6 m=56
